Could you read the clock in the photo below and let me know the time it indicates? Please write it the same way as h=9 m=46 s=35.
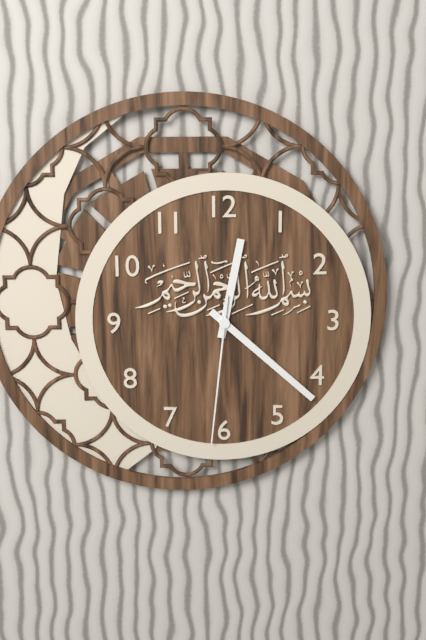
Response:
h=12 m=22 s=31
